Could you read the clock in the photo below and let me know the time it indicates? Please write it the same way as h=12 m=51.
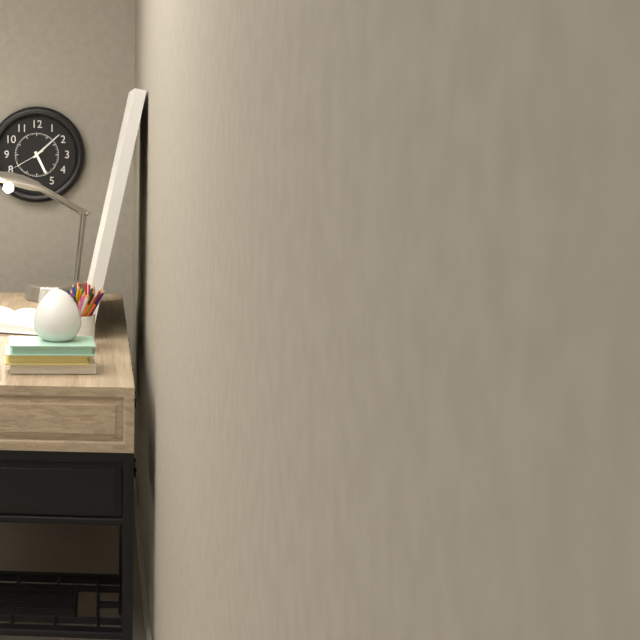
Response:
h=5 m=8
